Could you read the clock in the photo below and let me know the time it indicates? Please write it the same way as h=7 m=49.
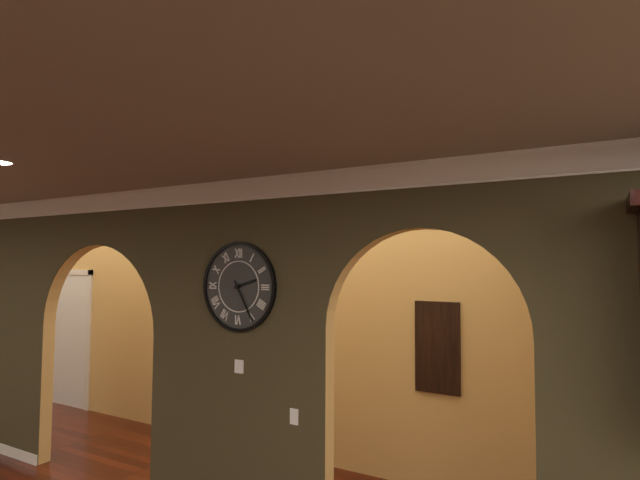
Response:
h=2 m=25
